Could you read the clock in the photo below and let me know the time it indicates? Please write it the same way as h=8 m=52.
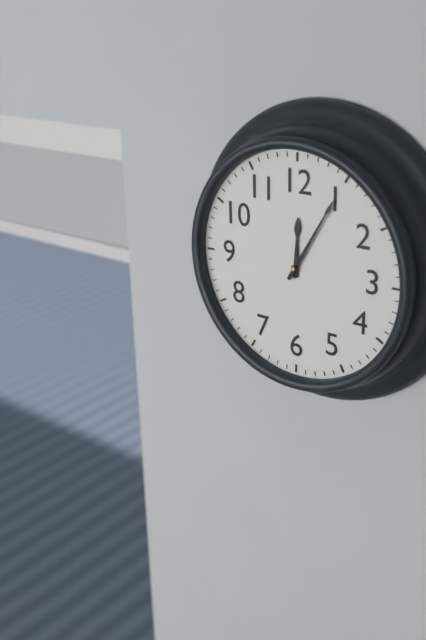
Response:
h=12 m=5
